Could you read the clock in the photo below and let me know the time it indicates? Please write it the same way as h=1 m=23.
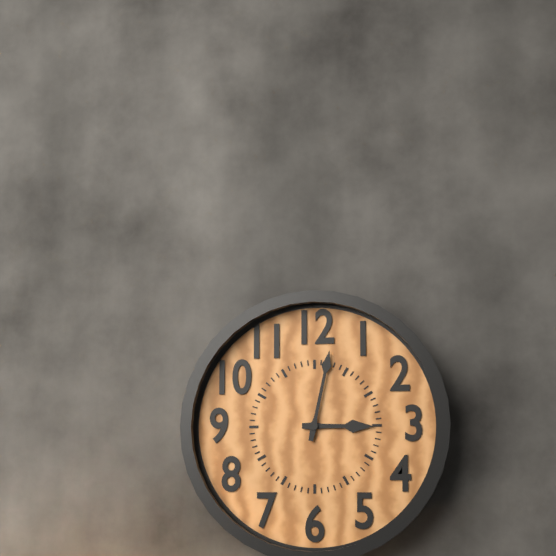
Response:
h=3 m=2
